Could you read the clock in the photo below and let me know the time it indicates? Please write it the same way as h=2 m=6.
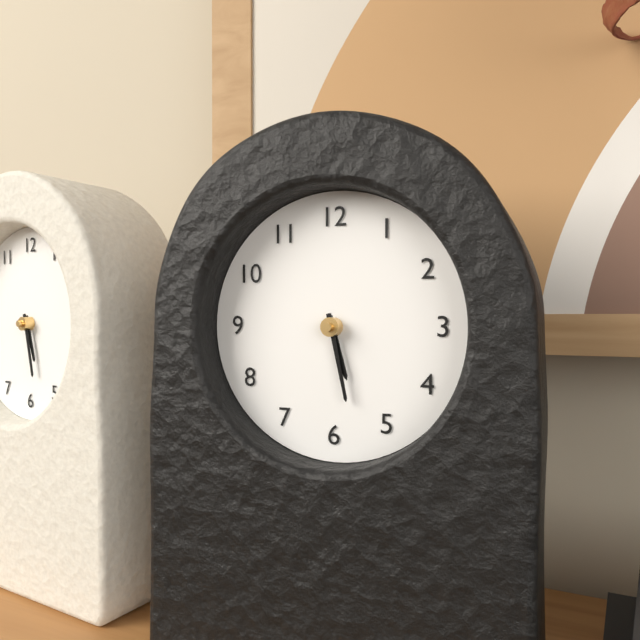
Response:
h=5 m=28
